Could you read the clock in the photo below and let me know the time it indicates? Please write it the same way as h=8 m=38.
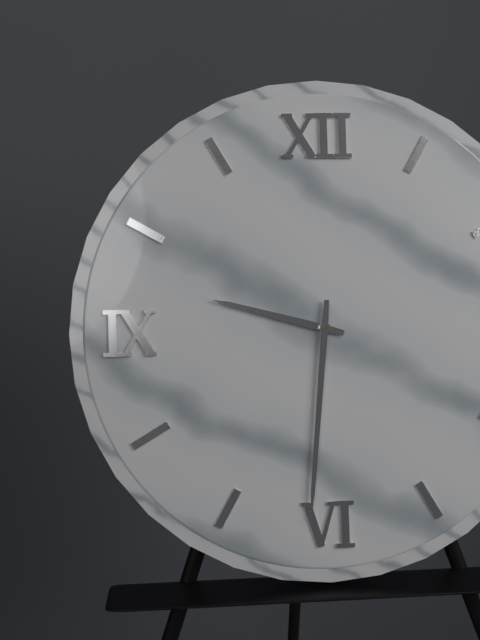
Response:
h=9 m=31
